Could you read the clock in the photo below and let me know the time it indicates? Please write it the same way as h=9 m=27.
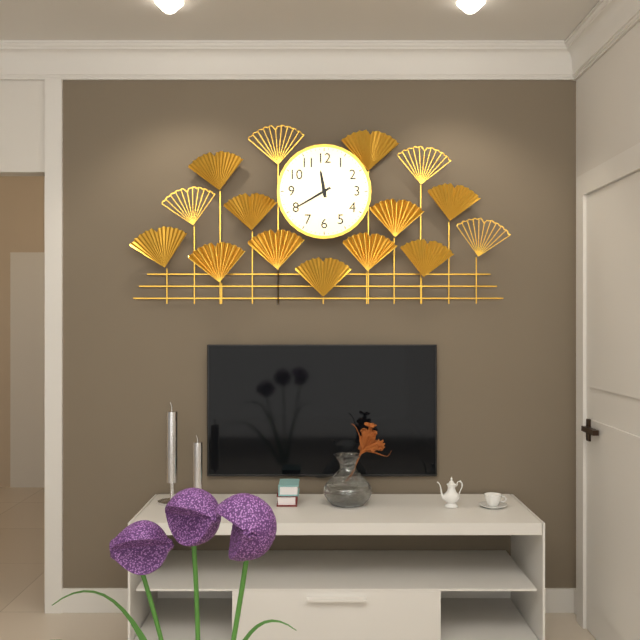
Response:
h=11 m=40
